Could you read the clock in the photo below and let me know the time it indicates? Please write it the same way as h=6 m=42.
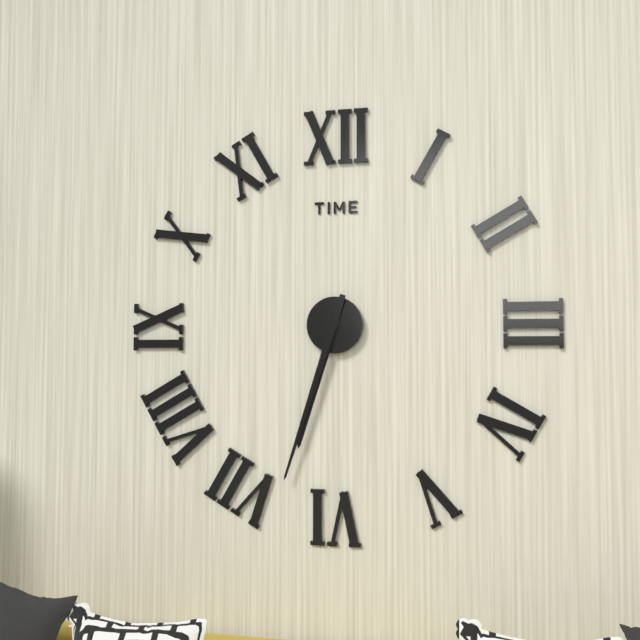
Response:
h=6 m=33
